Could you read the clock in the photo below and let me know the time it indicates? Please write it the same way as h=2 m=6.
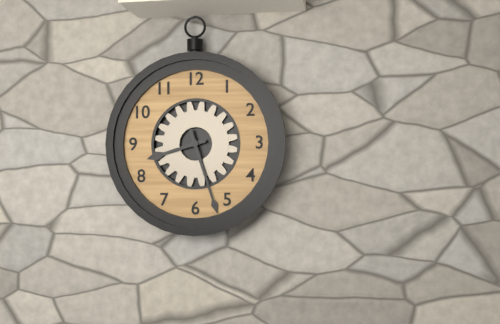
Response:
h=8 m=27
